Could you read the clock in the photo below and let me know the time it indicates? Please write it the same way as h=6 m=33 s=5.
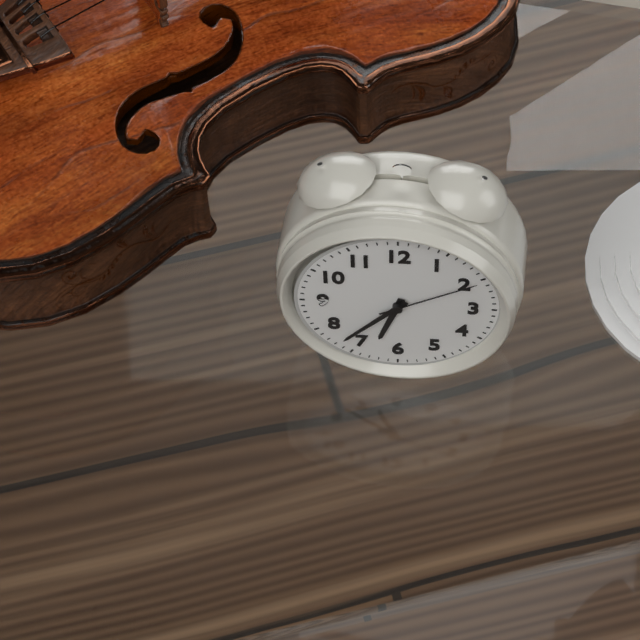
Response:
h=6 m=37 s=10
